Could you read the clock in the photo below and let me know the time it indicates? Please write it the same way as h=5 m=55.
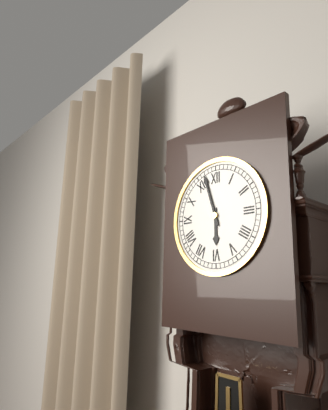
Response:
h=5 m=57
